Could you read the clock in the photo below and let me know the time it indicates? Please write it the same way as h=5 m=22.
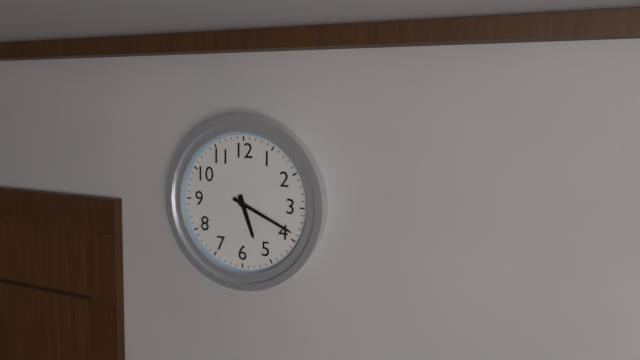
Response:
h=5 m=19
